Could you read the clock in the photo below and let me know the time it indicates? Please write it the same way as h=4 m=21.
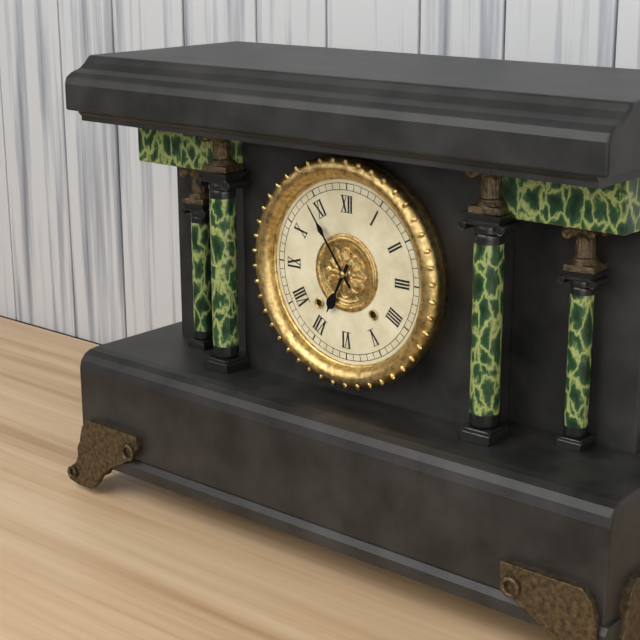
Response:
h=6 m=54
